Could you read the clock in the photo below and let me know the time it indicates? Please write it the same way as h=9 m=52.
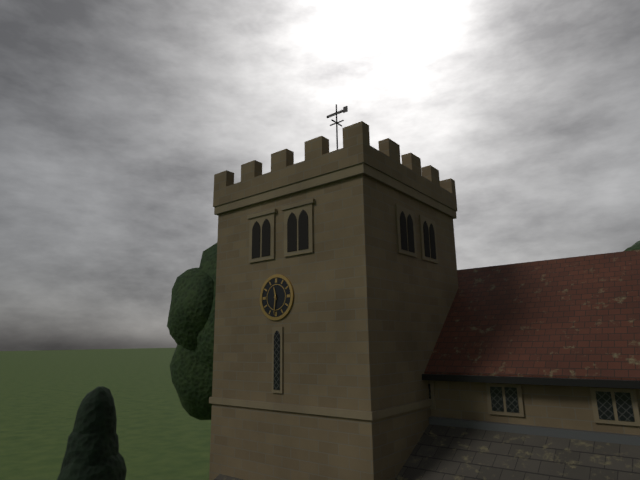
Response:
h=11 m=31
